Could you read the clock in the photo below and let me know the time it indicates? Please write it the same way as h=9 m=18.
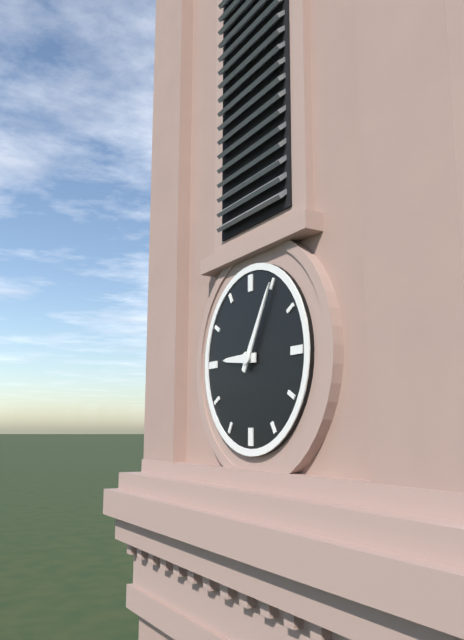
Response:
h=9 m=5
